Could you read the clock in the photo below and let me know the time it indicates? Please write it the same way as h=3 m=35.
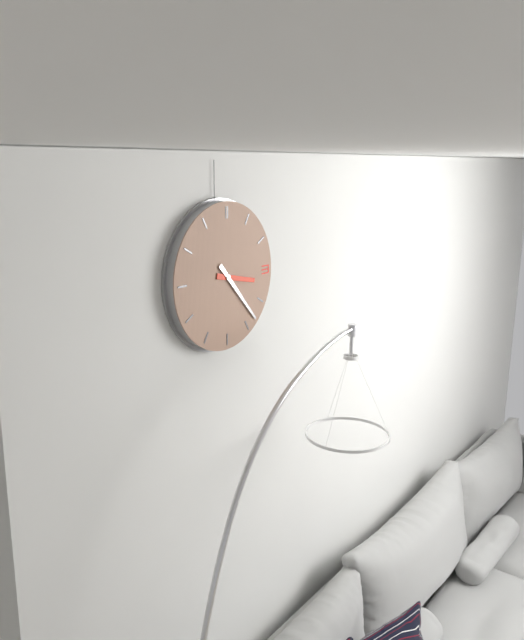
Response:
h=3 m=23
